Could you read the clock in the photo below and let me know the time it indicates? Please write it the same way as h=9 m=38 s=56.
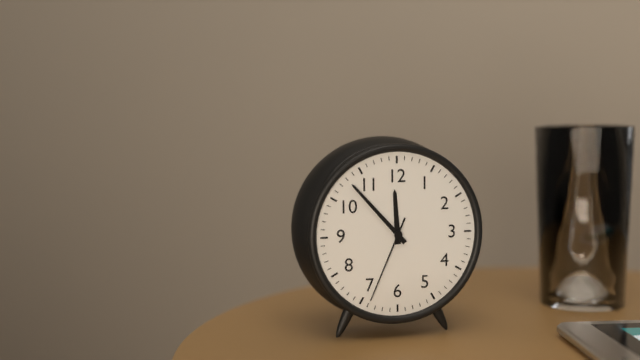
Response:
h=11 m=53 s=34
